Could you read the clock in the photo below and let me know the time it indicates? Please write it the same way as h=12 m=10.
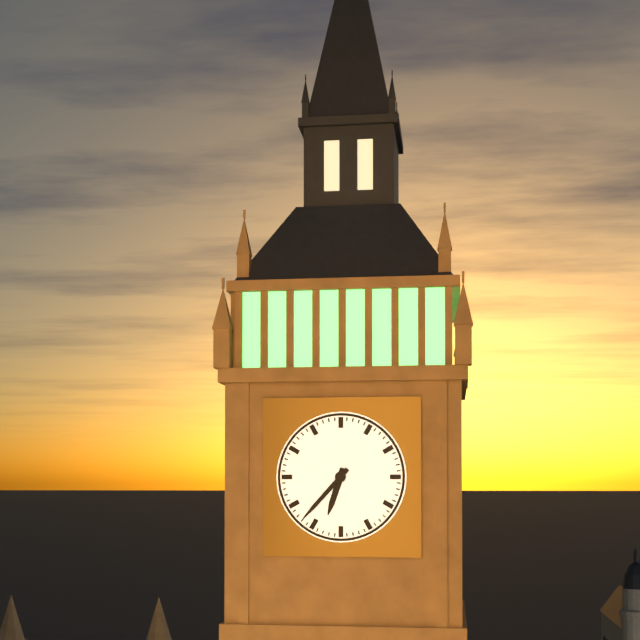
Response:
h=6 m=37
